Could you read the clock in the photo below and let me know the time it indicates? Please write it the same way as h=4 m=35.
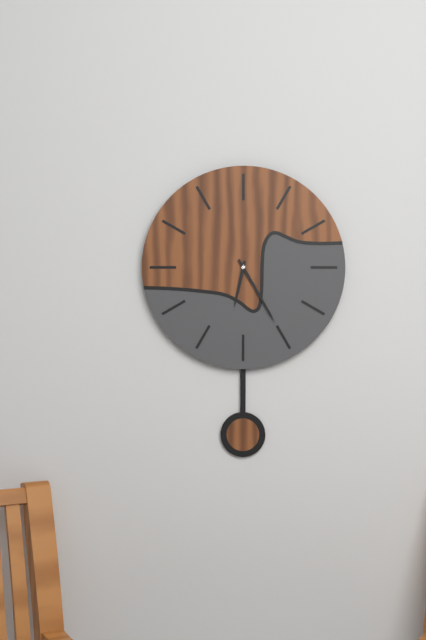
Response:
h=6 m=25
